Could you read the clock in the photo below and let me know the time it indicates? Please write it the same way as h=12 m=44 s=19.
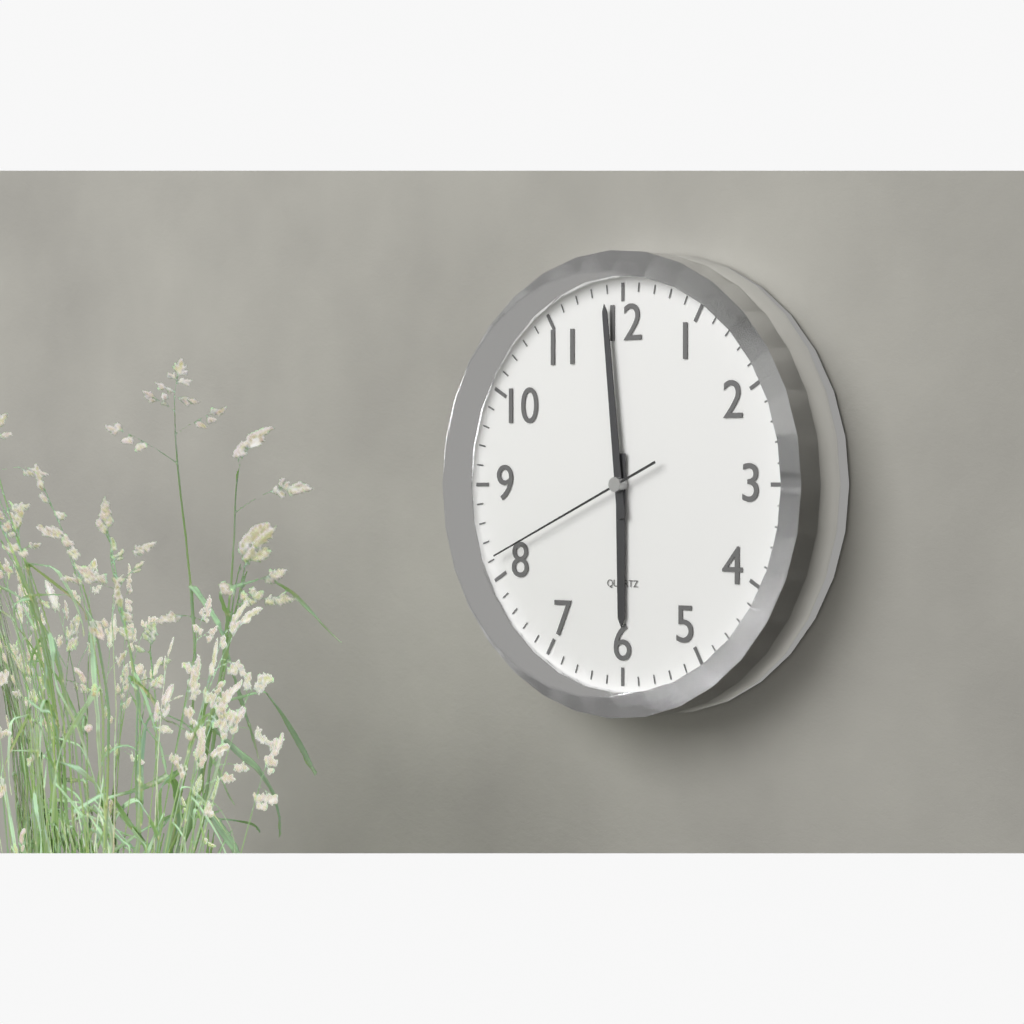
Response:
h=5 m=59 s=41
